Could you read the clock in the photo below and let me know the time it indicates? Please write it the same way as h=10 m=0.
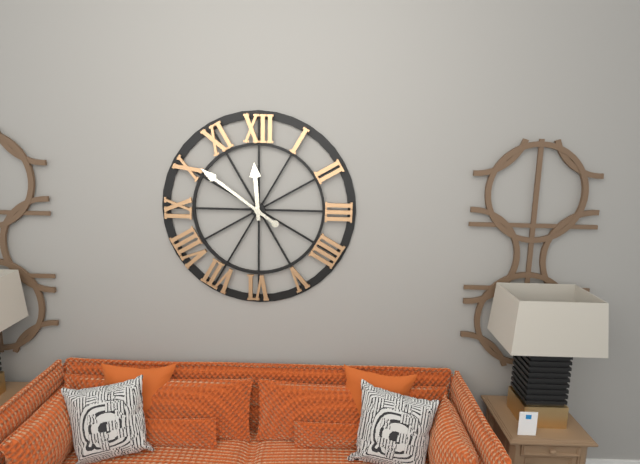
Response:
h=11 m=51
